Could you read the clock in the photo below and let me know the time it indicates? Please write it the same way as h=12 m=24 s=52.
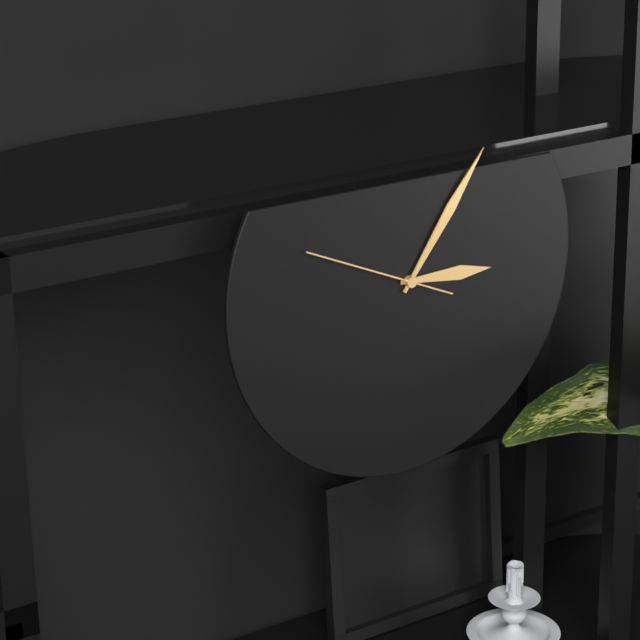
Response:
h=3 m=6 s=49
